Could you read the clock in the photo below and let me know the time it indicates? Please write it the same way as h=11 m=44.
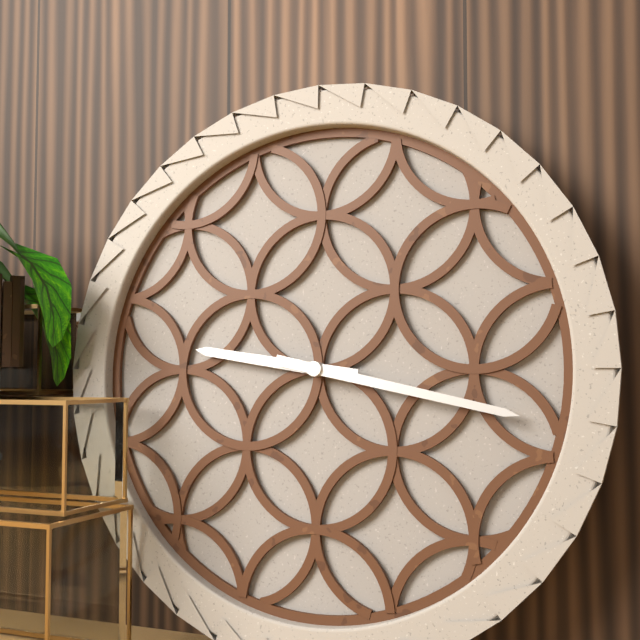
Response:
h=9 m=17
